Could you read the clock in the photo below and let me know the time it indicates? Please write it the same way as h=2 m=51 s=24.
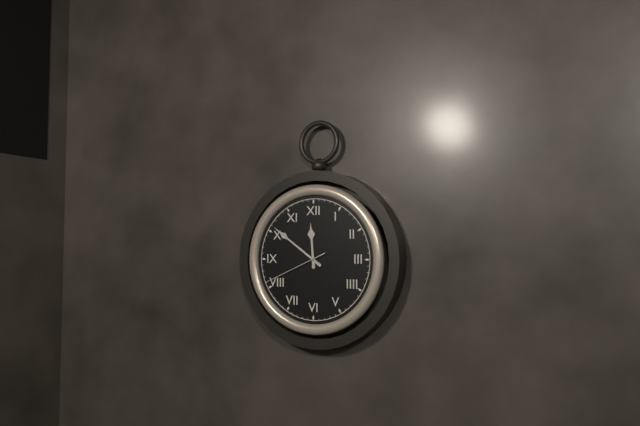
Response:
h=11 m=51 s=41
